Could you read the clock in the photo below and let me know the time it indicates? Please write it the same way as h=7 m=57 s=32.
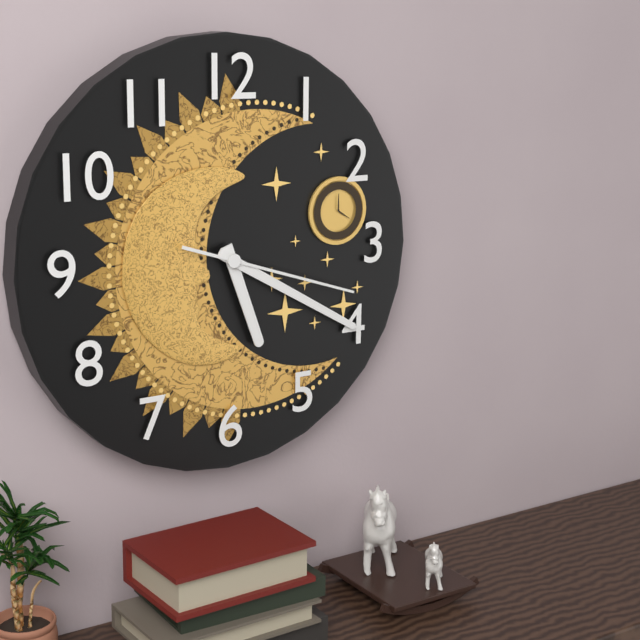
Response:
h=5 m=20 s=18
